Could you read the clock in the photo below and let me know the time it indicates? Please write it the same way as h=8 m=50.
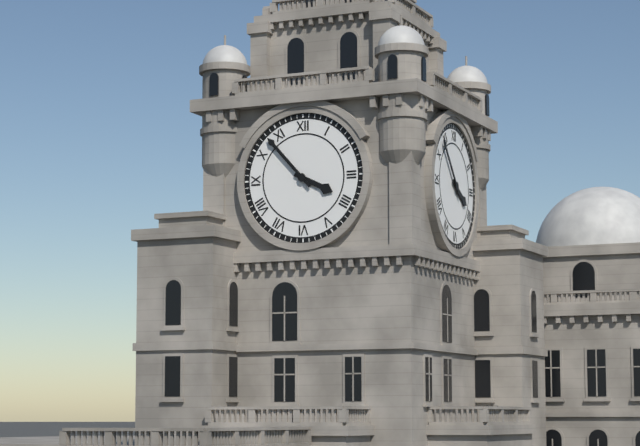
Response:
h=3 m=53
